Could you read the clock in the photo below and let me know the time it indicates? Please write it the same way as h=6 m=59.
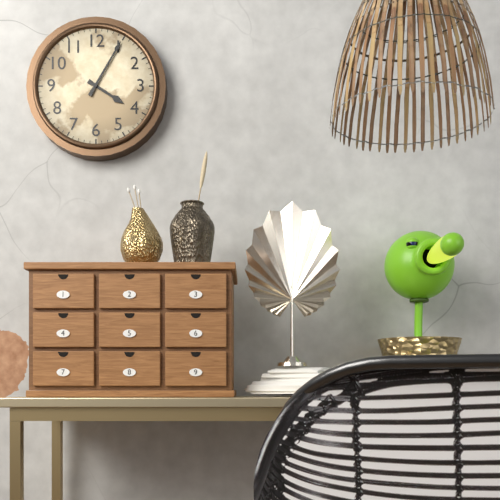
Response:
h=4 m=5
